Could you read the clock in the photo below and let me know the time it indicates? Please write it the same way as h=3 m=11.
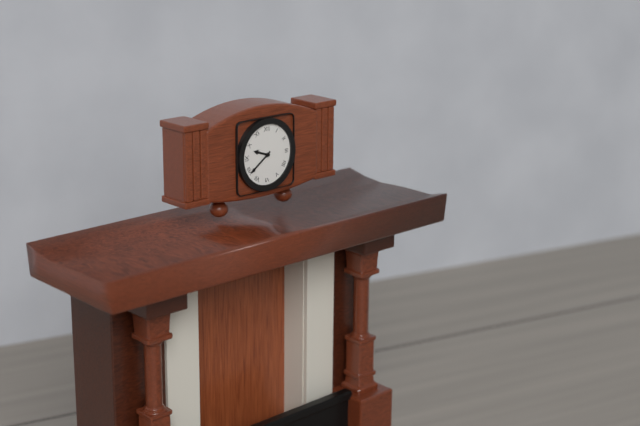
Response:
h=9 m=39
